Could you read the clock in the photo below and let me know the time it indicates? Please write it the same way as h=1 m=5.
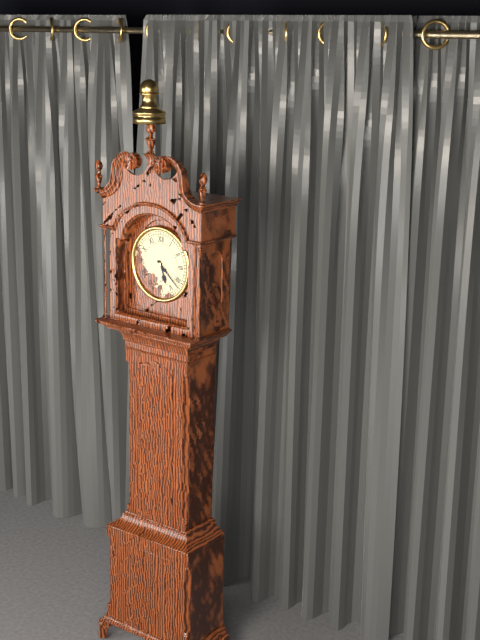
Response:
h=5 m=22
